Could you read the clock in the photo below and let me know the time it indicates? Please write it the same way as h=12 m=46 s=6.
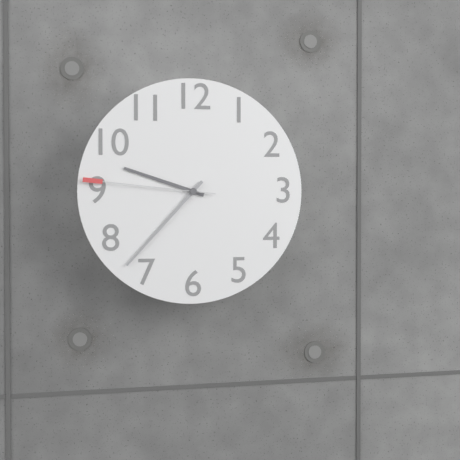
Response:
h=9 m=37 s=46
